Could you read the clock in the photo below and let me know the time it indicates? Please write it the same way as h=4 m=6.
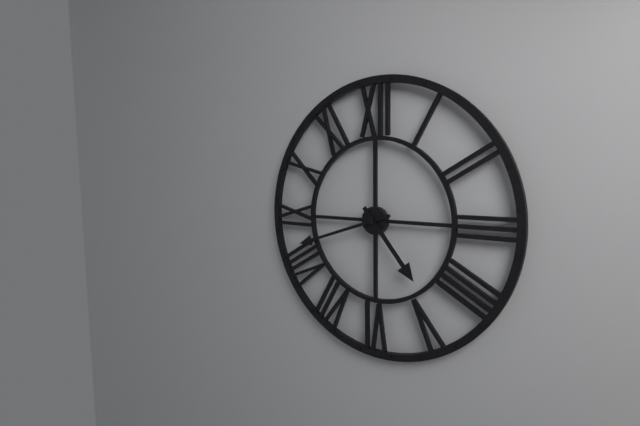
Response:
h=4 m=42
